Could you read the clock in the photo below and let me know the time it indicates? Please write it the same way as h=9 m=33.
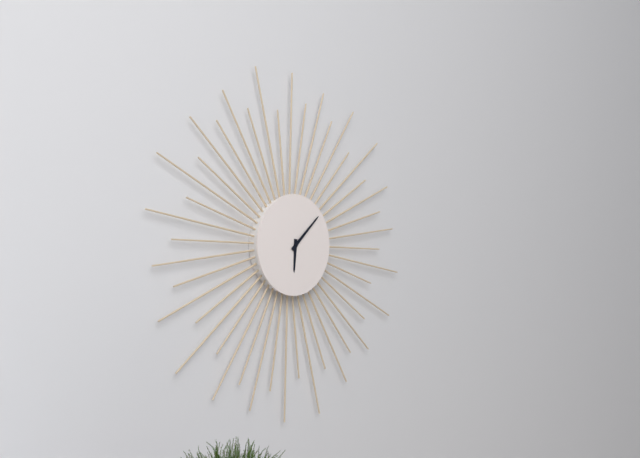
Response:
h=6 m=8
